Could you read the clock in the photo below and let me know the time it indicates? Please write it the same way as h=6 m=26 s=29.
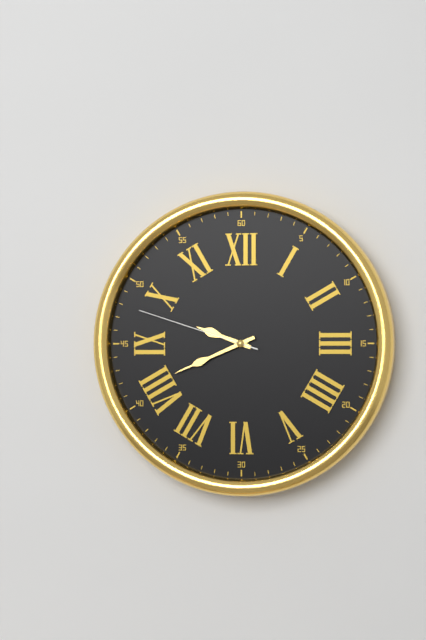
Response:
h=9 m=41 s=48
